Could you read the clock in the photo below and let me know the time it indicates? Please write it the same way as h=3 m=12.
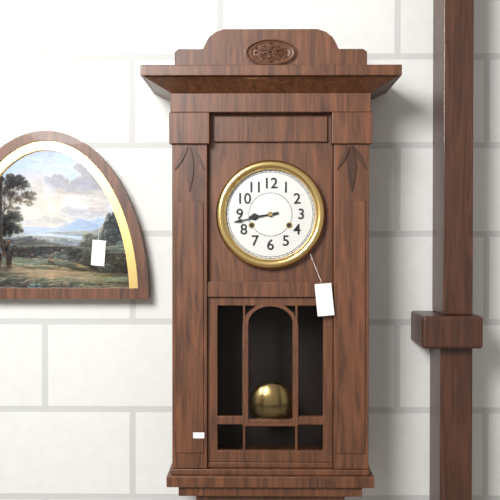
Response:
h=8 m=43
